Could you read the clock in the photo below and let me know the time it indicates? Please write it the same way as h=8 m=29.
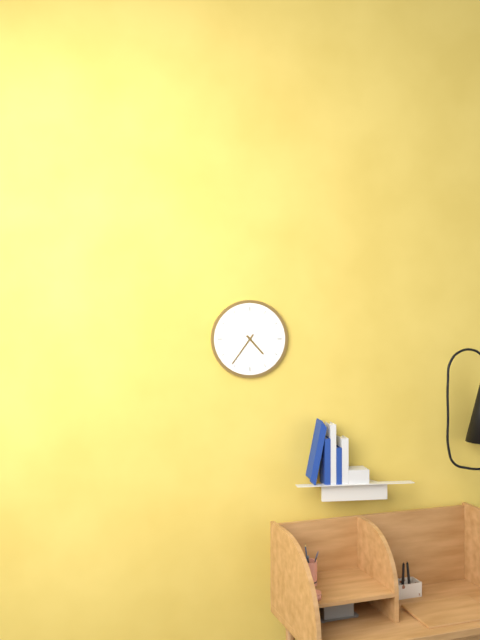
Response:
h=4 m=36
